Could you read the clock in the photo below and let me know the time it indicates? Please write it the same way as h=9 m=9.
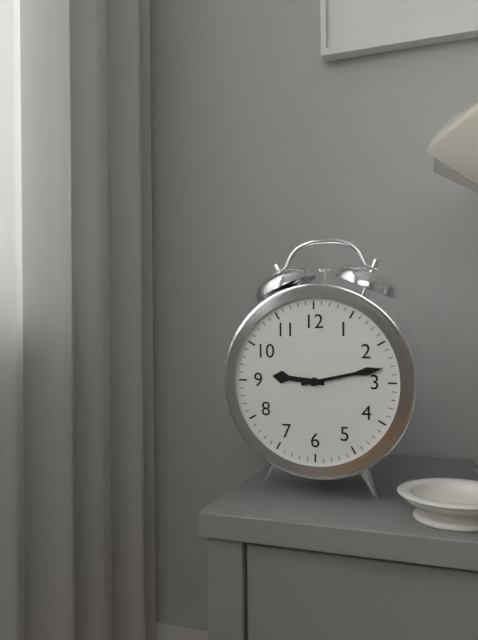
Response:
h=9 m=13
